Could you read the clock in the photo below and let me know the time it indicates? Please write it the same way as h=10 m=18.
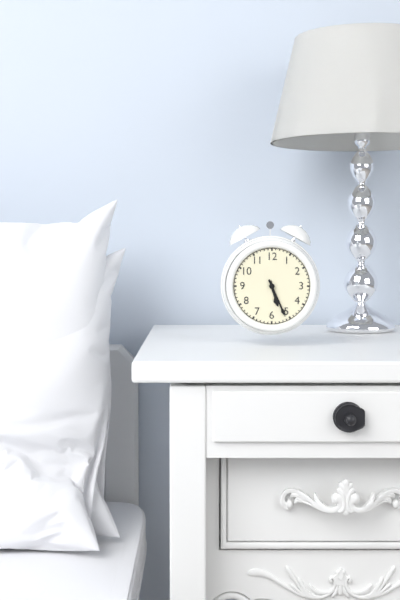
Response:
h=5 m=26
